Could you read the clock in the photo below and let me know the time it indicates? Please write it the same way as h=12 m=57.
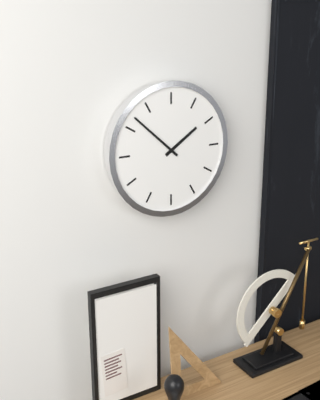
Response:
h=1 m=52
